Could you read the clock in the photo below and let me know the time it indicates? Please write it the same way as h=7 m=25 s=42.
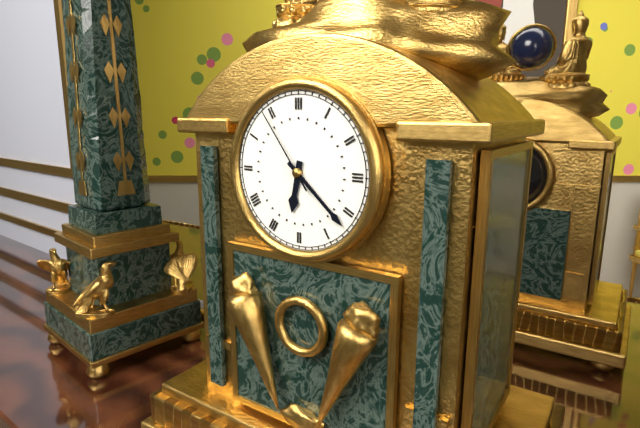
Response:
h=6 m=22 s=54
